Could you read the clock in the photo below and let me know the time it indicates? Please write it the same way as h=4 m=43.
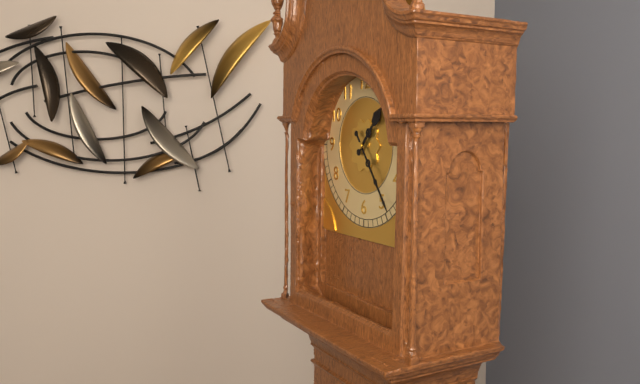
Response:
h=1 m=24
